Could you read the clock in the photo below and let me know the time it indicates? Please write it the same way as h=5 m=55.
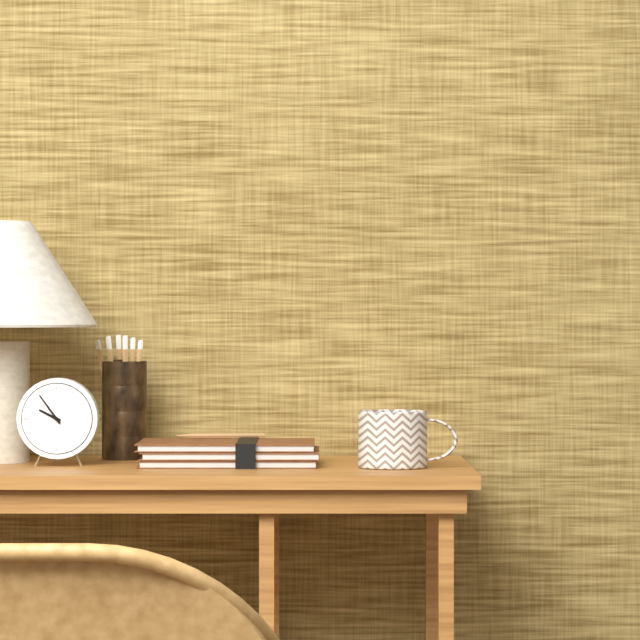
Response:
h=9 m=54
